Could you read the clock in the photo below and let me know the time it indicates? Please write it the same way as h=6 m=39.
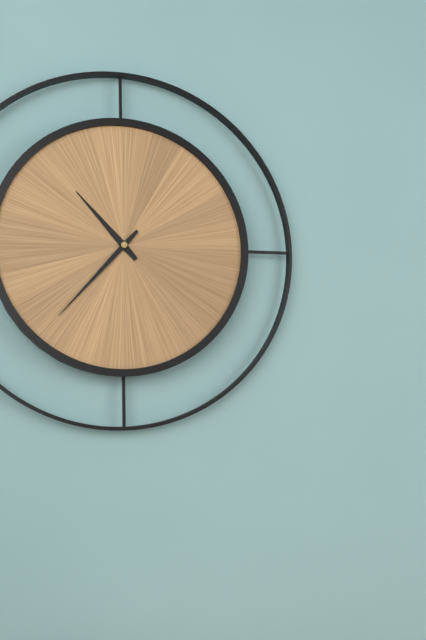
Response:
h=10 m=37
